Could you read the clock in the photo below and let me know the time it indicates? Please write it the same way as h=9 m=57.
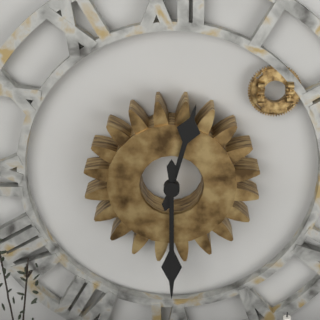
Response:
h=12 m=30
